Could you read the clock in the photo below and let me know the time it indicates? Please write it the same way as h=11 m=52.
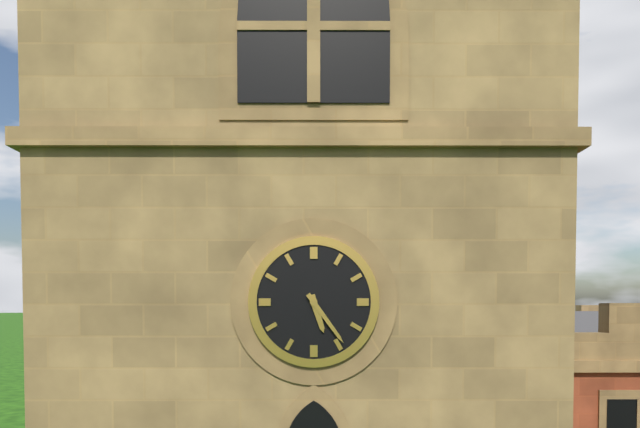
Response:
h=5 m=24
